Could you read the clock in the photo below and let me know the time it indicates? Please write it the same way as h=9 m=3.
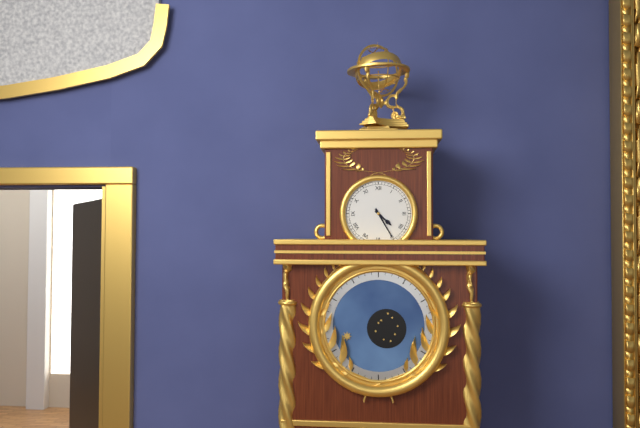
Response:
h=4 m=25
